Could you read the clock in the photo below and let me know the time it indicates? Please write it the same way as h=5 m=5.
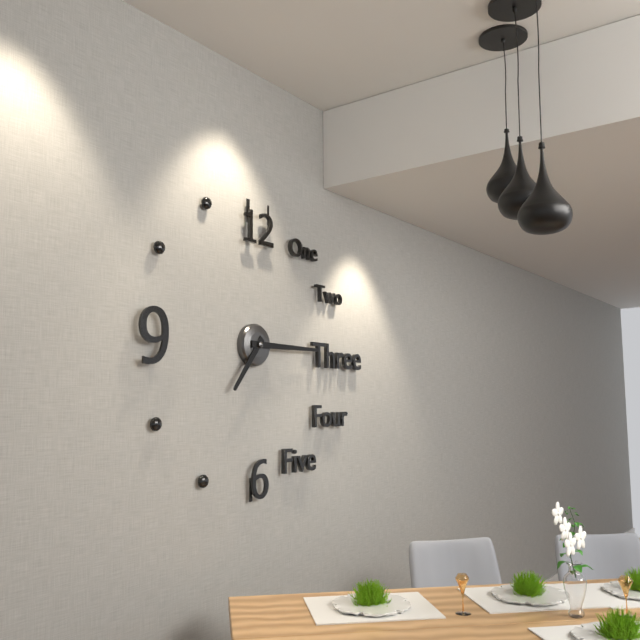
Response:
h=7 m=15
